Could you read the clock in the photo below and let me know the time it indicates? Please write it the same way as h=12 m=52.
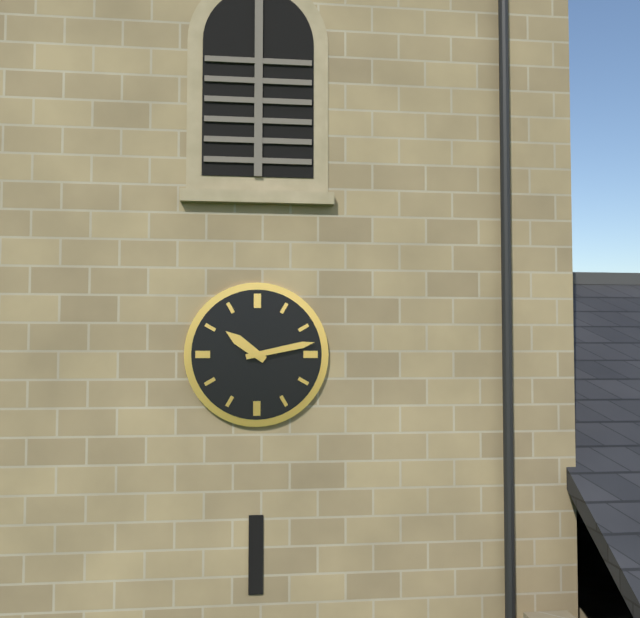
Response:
h=10 m=13
